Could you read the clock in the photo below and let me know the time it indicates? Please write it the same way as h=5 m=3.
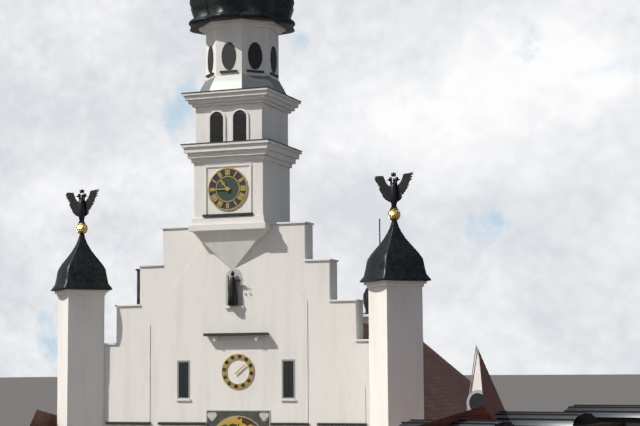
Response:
h=10 m=45
